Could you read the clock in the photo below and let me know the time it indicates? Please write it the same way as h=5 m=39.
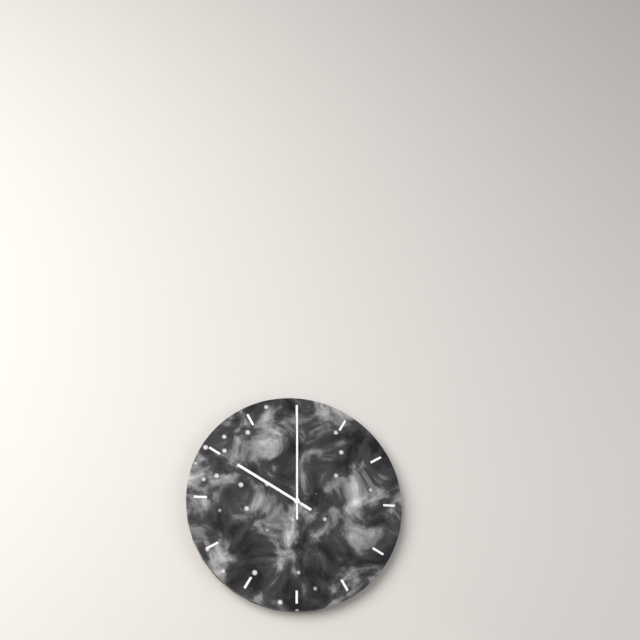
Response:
h=10 m=0
